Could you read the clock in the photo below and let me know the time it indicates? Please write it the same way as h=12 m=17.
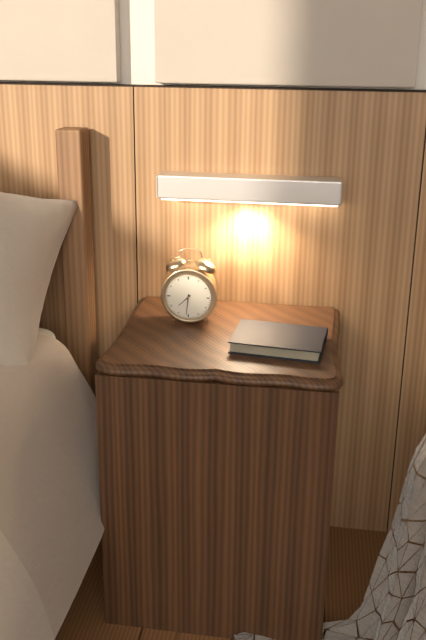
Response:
h=7 m=31
